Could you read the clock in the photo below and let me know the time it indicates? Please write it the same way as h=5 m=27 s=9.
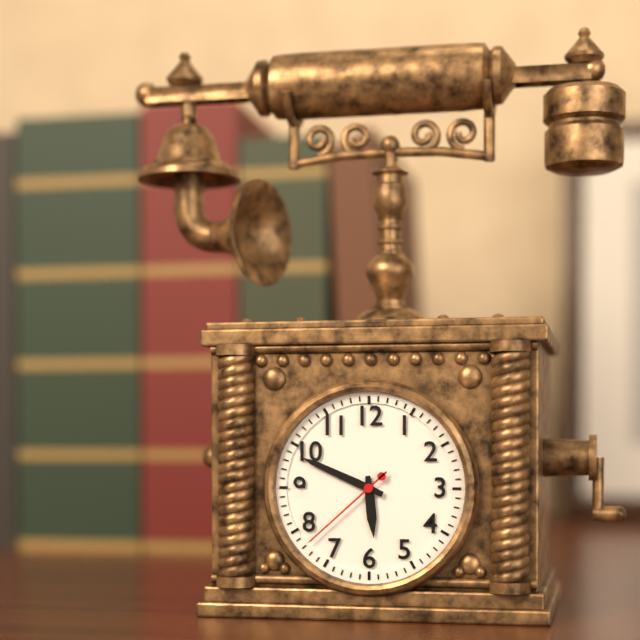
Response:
h=5 m=49 s=38
